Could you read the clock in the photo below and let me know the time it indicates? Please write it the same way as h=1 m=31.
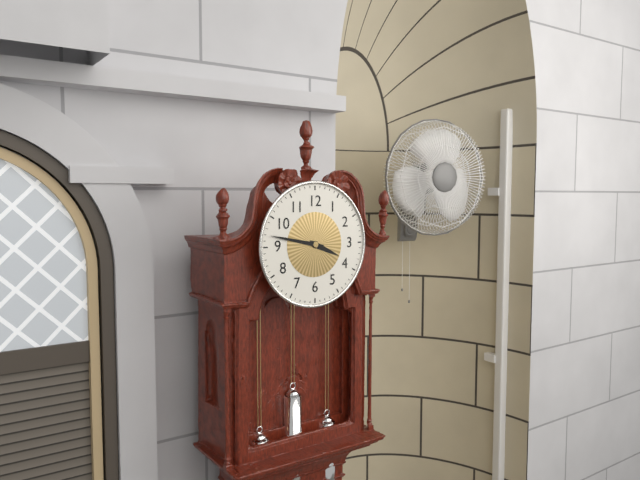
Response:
h=3 m=47
